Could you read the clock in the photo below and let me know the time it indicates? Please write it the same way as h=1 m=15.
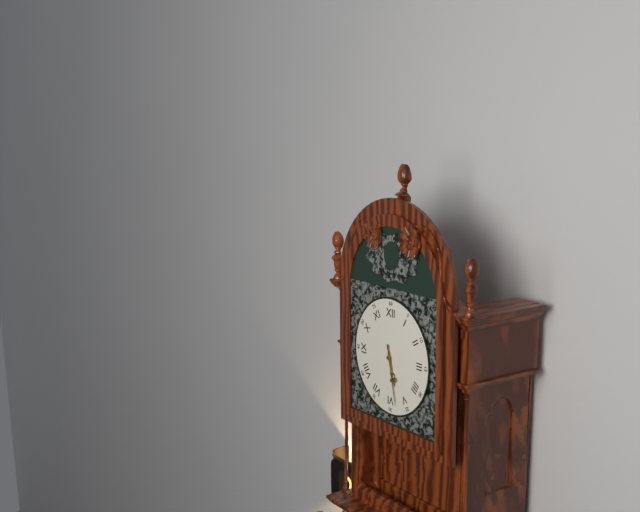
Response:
h=5 m=28
